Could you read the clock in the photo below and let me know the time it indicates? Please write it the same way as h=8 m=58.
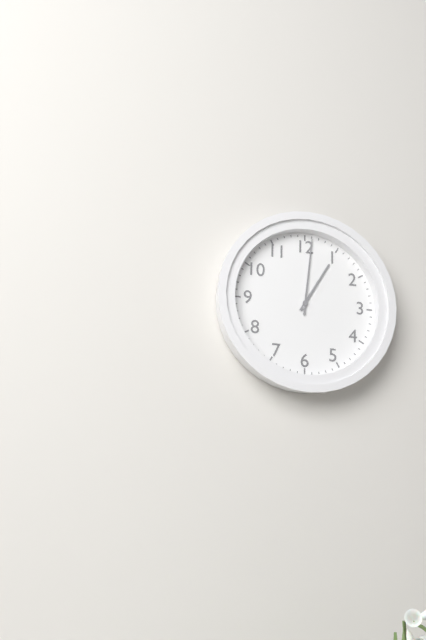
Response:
h=1 m=1
